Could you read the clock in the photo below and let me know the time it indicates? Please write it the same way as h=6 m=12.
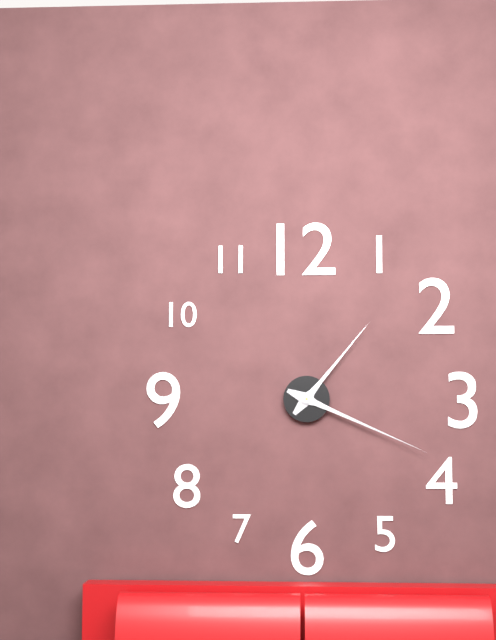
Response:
h=1 m=19
